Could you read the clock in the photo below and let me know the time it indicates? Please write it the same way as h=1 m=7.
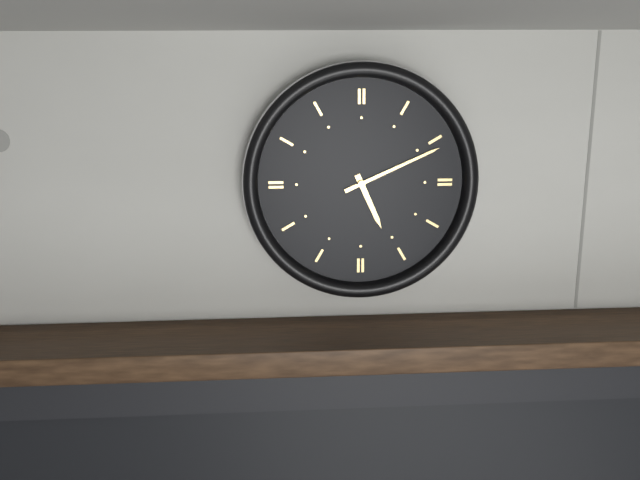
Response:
h=5 m=11
